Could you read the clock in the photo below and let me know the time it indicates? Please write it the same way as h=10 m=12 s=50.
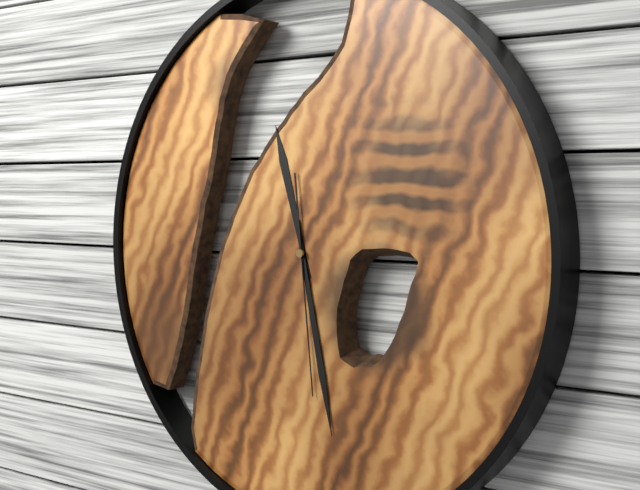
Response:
h=11 m=28 s=29
